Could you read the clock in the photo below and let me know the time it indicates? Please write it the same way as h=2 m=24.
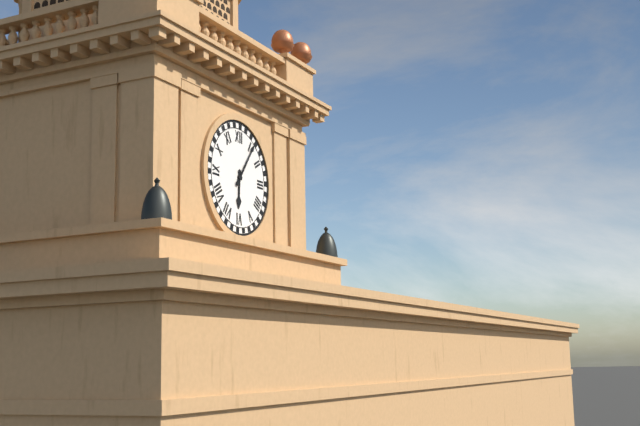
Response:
h=6 m=6
